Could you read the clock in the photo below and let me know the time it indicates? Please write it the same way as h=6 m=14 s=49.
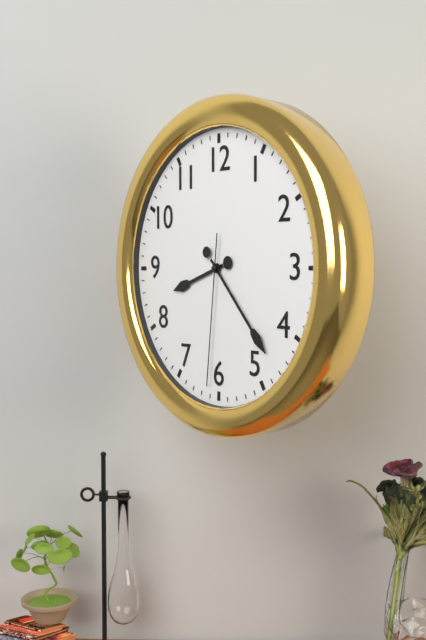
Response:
h=8 m=23 s=31
